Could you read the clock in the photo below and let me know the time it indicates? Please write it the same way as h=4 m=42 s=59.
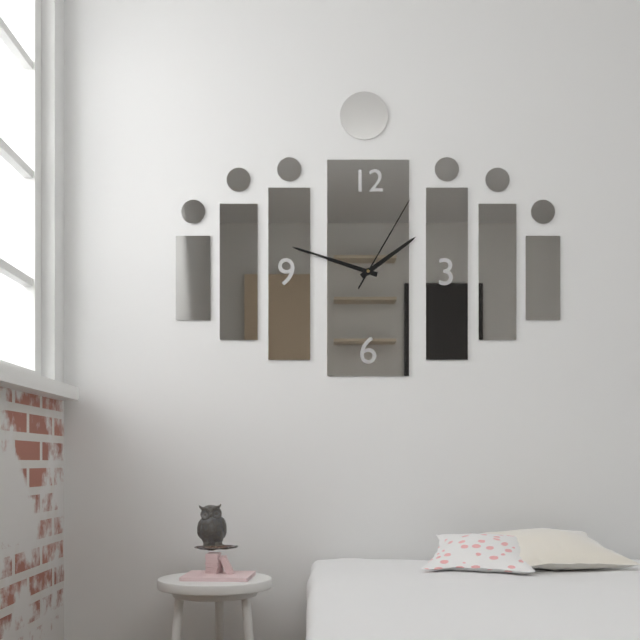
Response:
h=1 m=48 s=5
